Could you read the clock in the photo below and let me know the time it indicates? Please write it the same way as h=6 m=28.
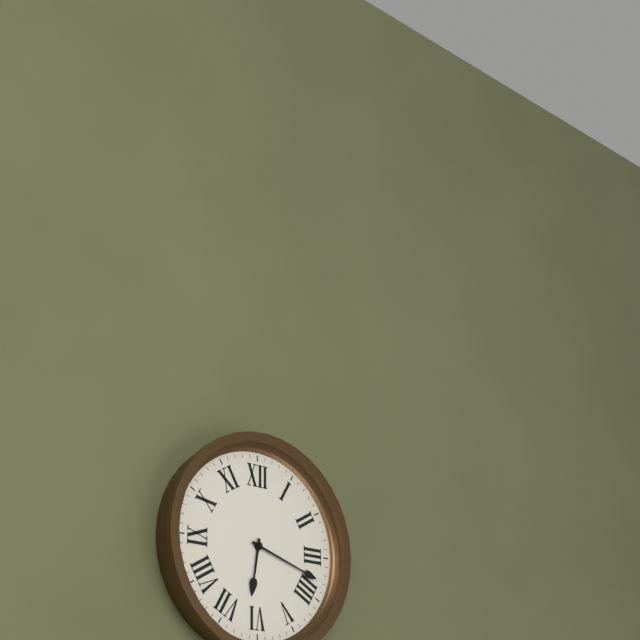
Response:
h=6 m=18
